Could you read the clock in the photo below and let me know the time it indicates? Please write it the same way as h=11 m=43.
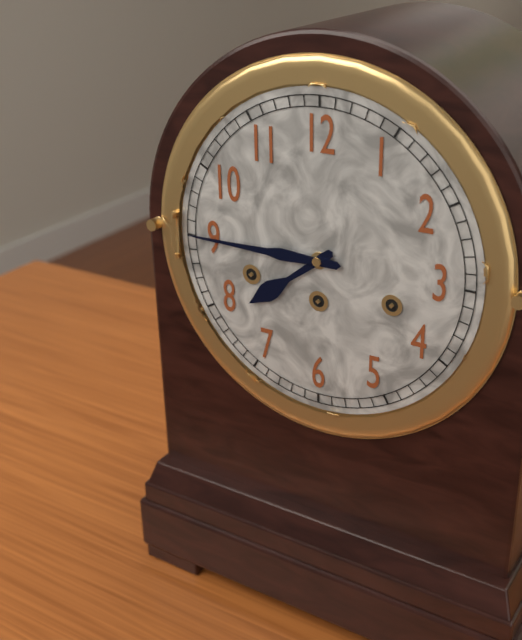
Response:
h=7 m=45
